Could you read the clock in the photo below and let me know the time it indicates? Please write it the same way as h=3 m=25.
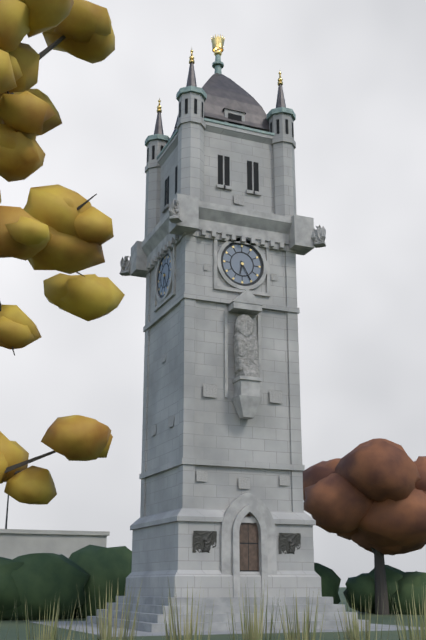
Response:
h=6 m=25
